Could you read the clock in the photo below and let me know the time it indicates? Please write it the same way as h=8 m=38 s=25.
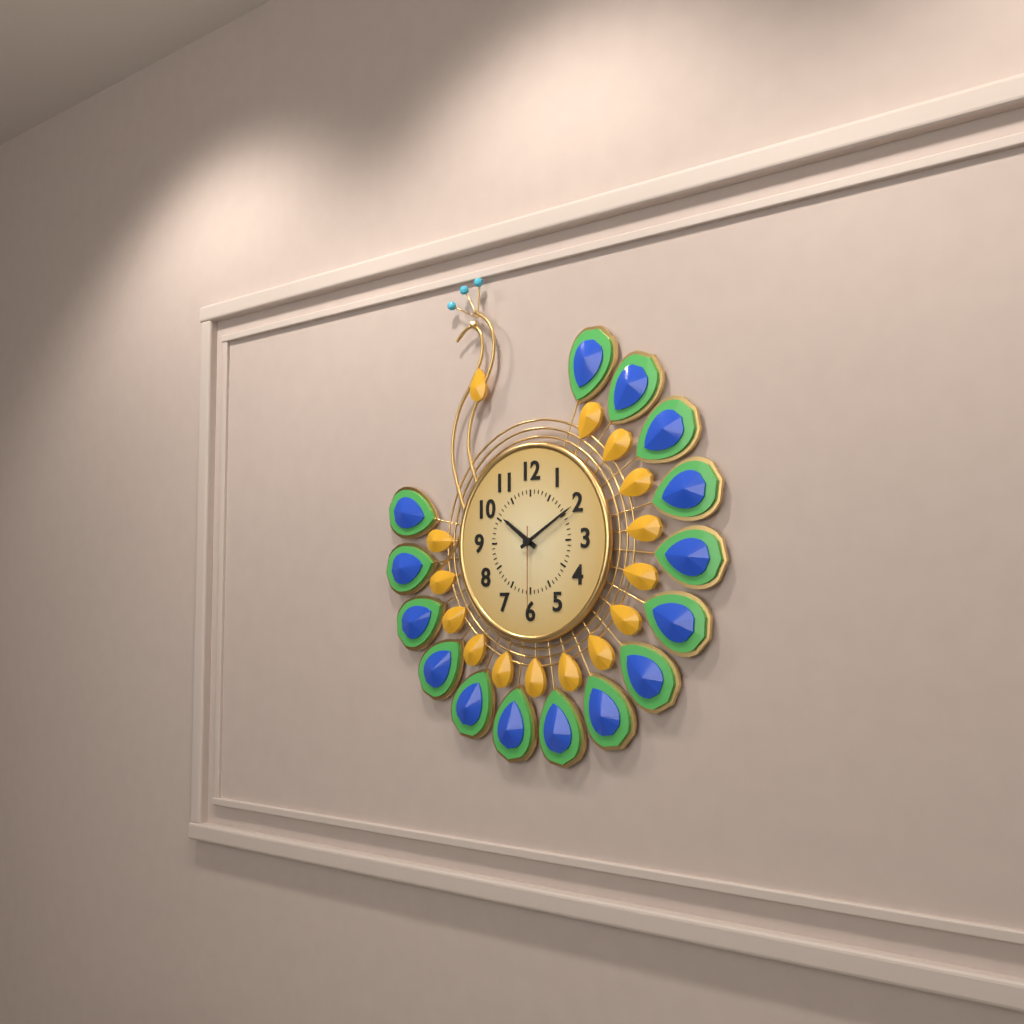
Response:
h=10 m=10 s=30
